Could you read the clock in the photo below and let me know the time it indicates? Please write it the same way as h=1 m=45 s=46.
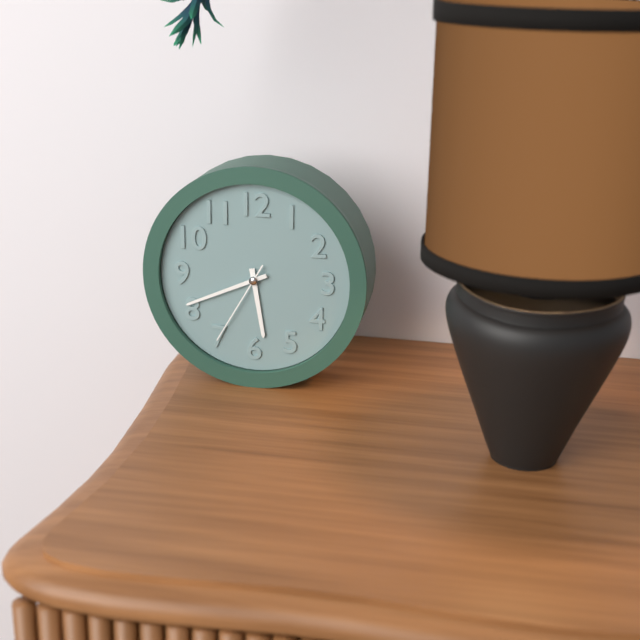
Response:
h=5 m=41 s=35
